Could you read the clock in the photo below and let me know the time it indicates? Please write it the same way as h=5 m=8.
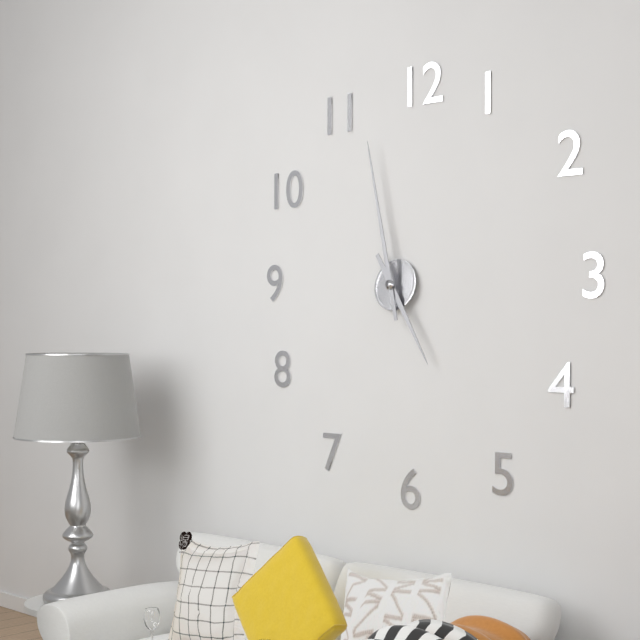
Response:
h=4 m=58
